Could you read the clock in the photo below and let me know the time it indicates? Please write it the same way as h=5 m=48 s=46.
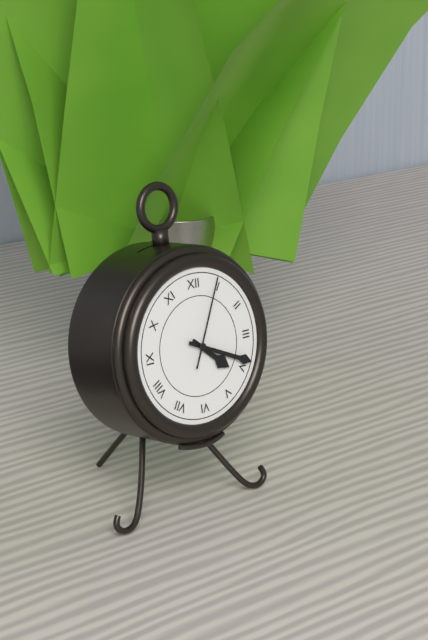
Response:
h=4 m=19 s=4
